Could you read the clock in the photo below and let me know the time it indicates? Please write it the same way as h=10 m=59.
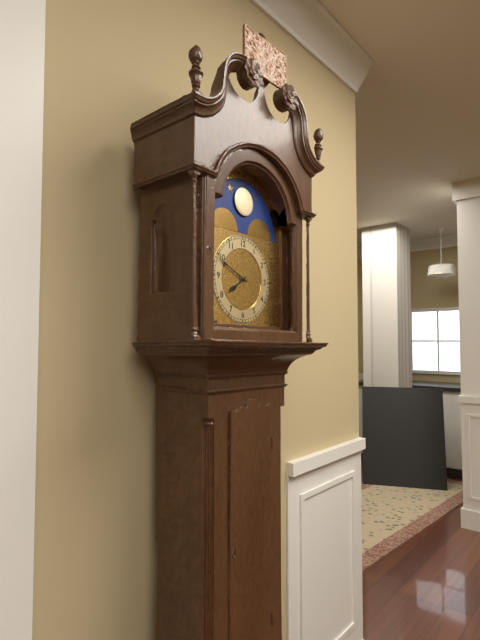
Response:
h=7 m=49
